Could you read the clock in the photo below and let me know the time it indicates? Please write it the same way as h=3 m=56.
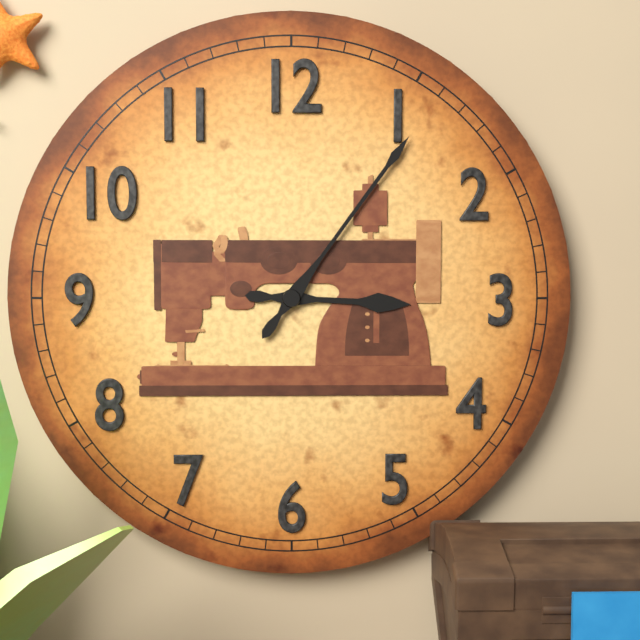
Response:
h=3 m=6
